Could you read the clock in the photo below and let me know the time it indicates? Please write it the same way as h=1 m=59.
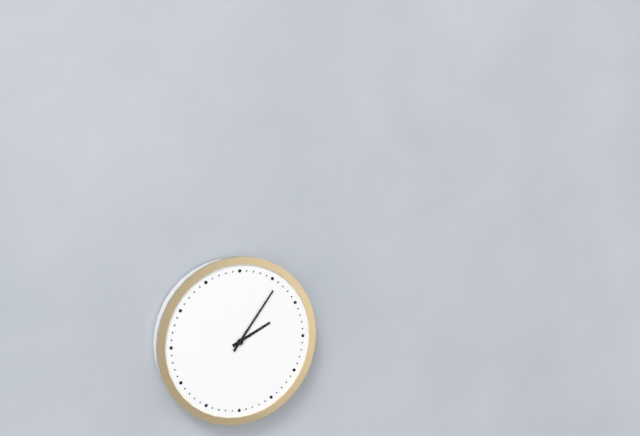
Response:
h=2 m=6
